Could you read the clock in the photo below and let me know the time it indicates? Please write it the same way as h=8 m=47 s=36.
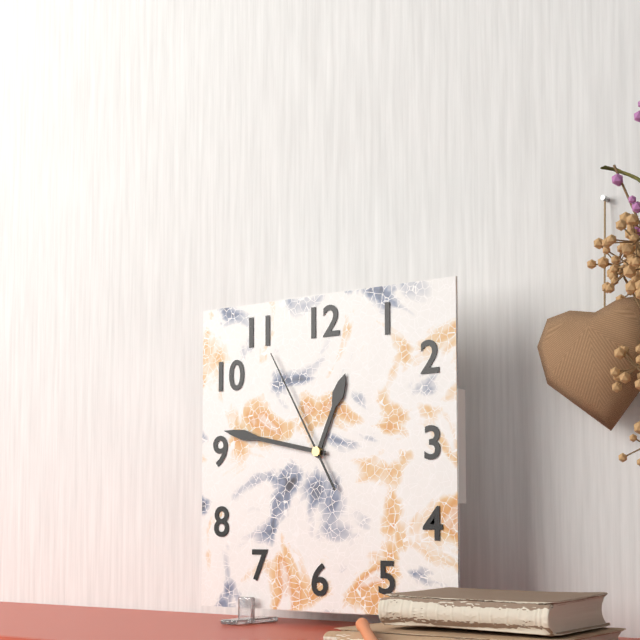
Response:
h=12 m=47 s=55
